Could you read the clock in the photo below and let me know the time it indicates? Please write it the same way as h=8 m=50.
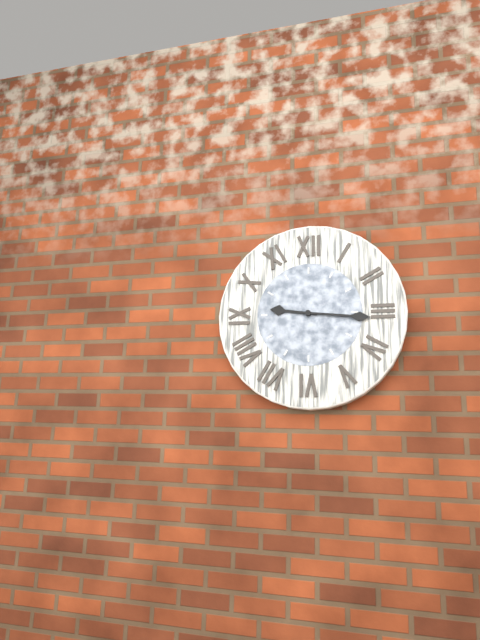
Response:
h=9 m=16
